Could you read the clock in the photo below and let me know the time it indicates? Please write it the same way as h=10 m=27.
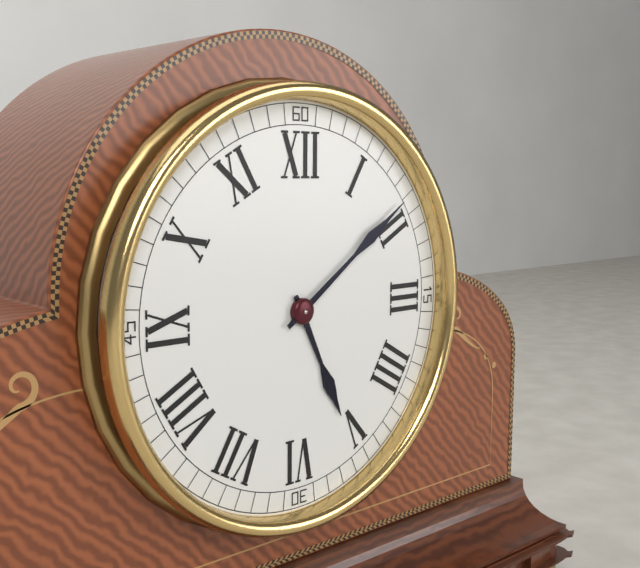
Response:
h=5 m=9
